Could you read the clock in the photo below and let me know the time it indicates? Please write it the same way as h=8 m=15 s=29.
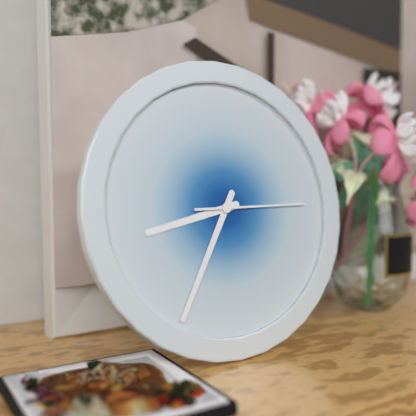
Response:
h=8 m=35 s=15
